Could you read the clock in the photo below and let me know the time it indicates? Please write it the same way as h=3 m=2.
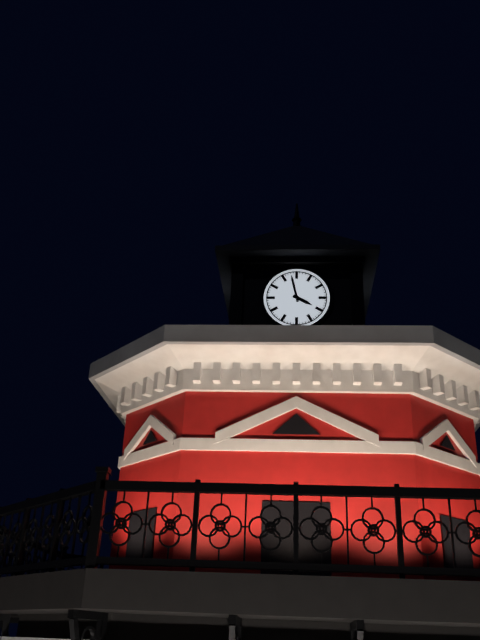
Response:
h=3 m=58
